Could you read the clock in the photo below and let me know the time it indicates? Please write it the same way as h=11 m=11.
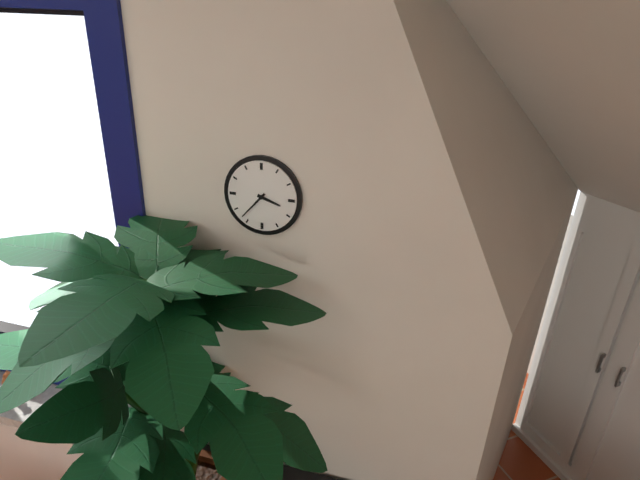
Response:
h=3 m=37
